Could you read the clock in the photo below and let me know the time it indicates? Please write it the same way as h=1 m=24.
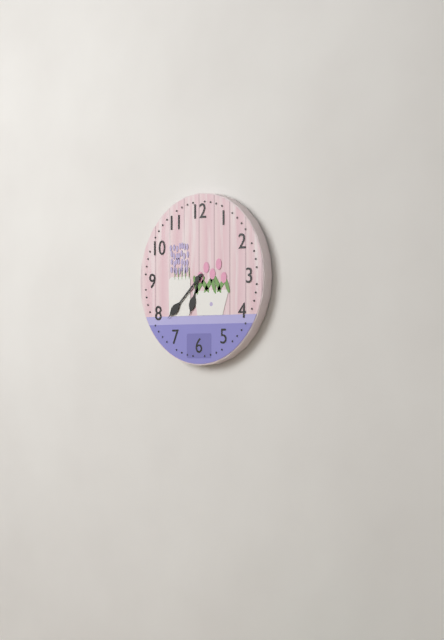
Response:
h=6 m=38
